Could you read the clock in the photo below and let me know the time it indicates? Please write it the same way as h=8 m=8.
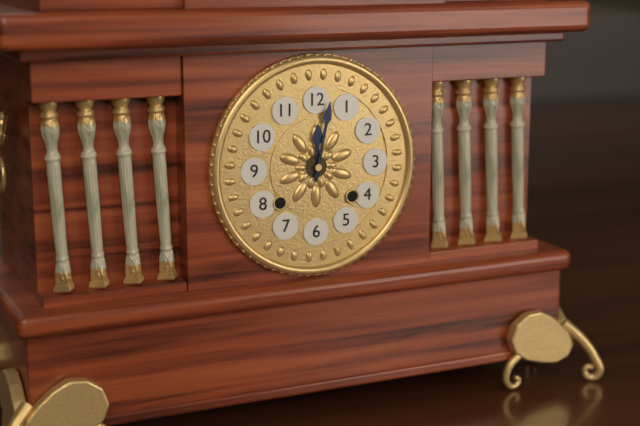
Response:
h=12 m=2
